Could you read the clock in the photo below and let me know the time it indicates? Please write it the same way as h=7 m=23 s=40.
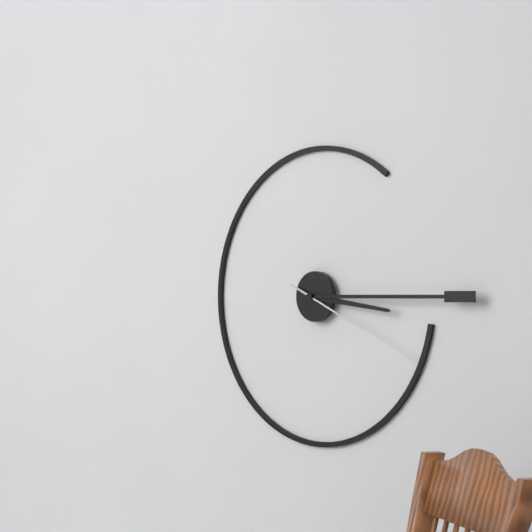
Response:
h=3 m=15 s=19
